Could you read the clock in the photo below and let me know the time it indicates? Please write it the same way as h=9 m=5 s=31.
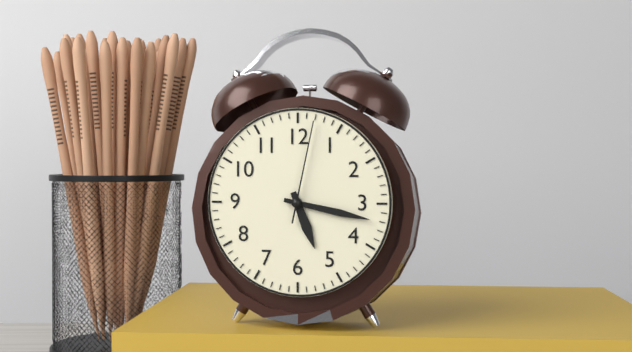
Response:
h=5 m=17 s=2
